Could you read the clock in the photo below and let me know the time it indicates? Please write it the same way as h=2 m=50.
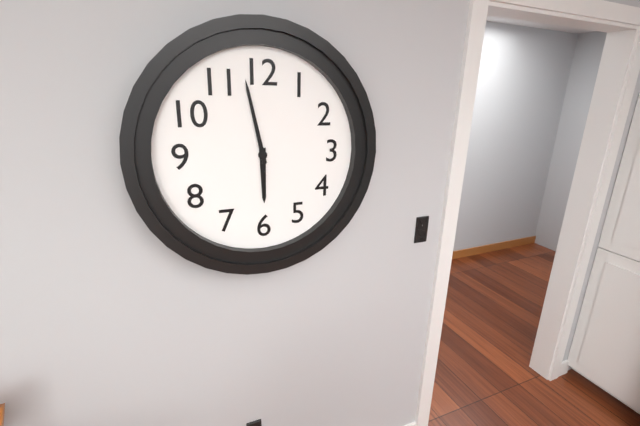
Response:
h=5 m=58
